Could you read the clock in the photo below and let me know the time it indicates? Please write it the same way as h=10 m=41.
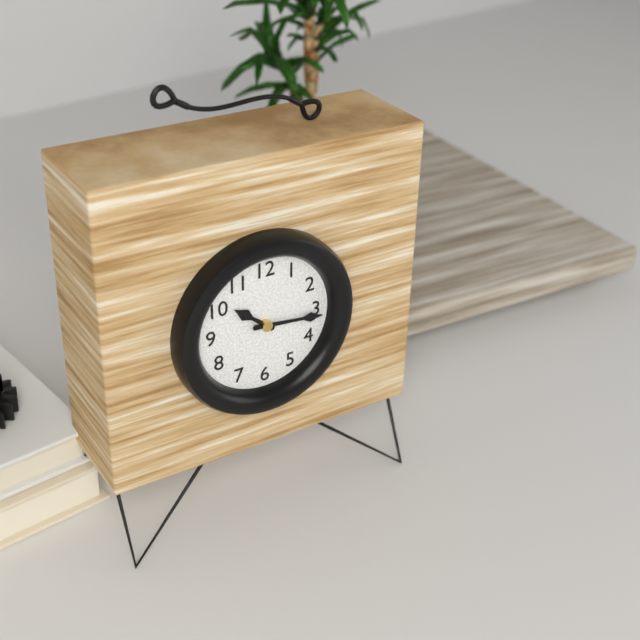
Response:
h=10 m=16
